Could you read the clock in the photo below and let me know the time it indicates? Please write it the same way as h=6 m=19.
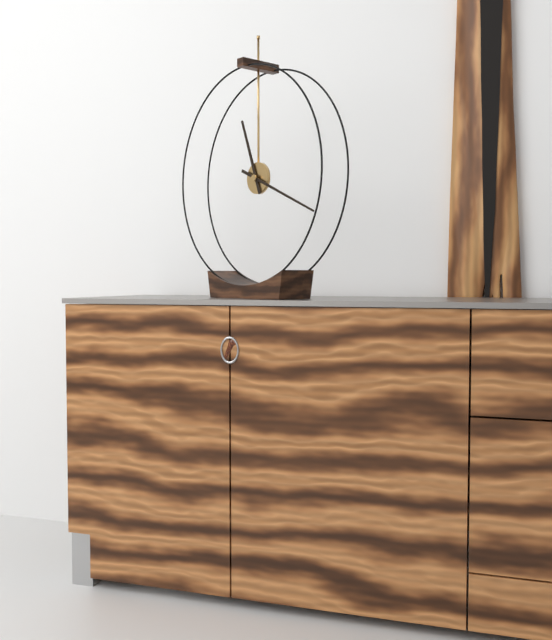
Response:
h=11 m=19
